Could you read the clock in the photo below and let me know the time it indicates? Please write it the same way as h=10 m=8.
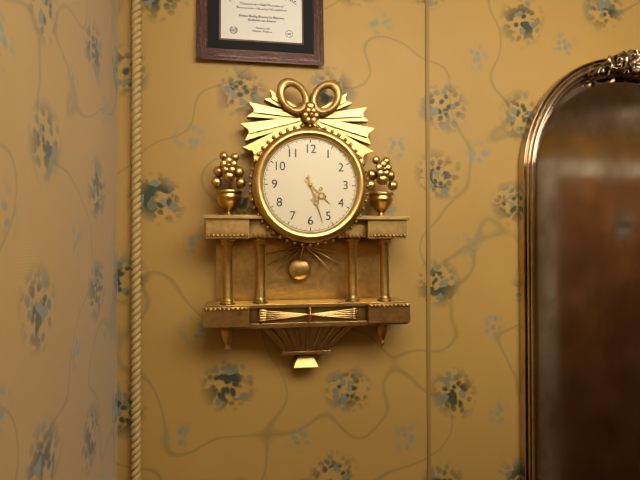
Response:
h=4 m=27
